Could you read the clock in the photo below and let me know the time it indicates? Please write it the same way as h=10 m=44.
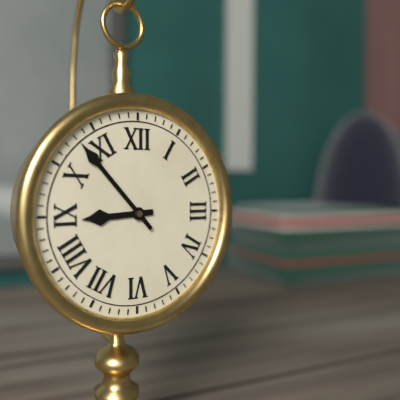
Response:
h=8 m=53
